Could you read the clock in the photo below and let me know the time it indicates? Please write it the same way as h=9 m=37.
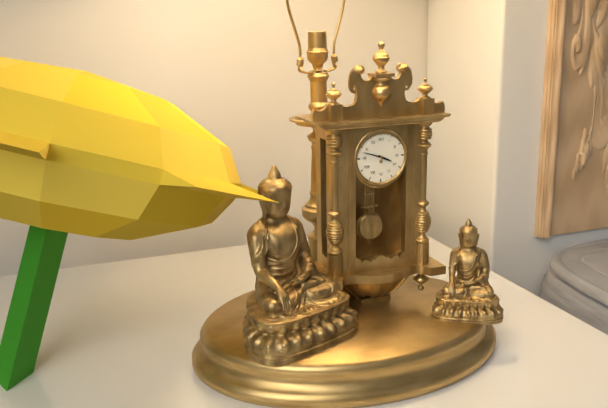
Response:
h=3 m=48
